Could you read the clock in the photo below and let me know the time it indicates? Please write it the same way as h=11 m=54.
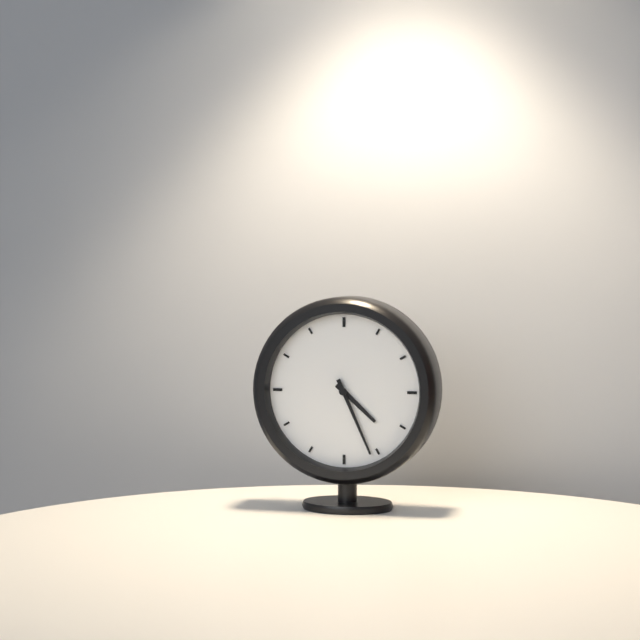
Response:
h=4 m=26
